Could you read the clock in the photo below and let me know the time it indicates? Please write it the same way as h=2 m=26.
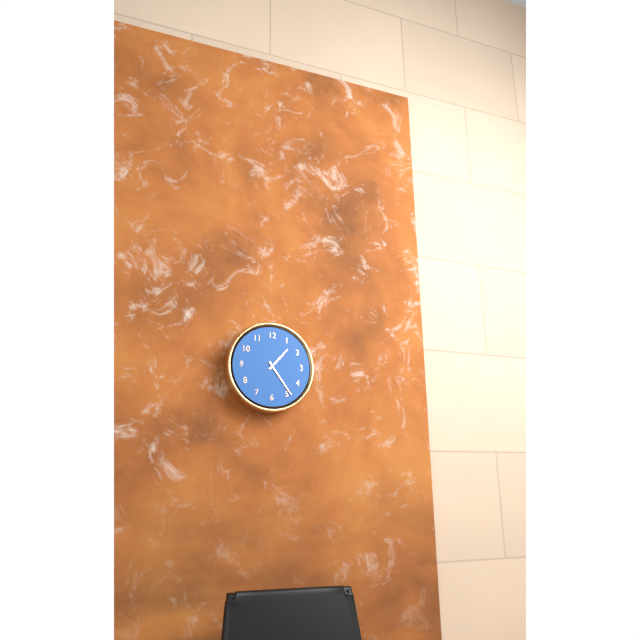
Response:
h=1 m=24
